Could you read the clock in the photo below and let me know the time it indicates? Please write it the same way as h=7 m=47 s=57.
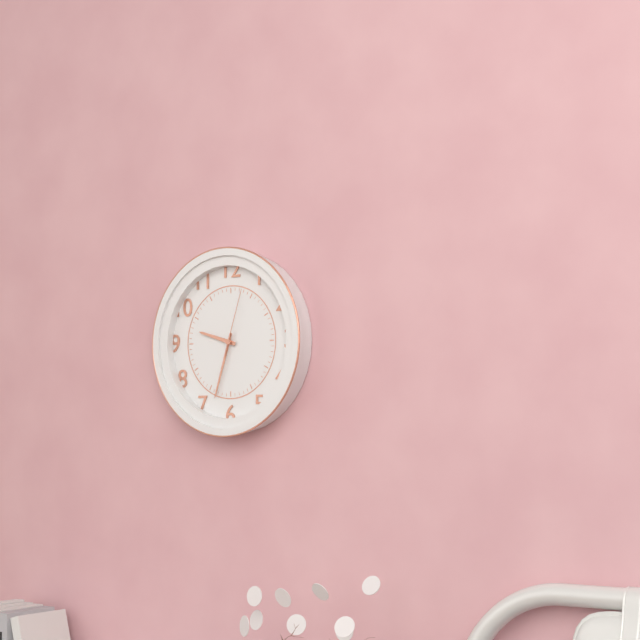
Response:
h=9 m=33 s=3
